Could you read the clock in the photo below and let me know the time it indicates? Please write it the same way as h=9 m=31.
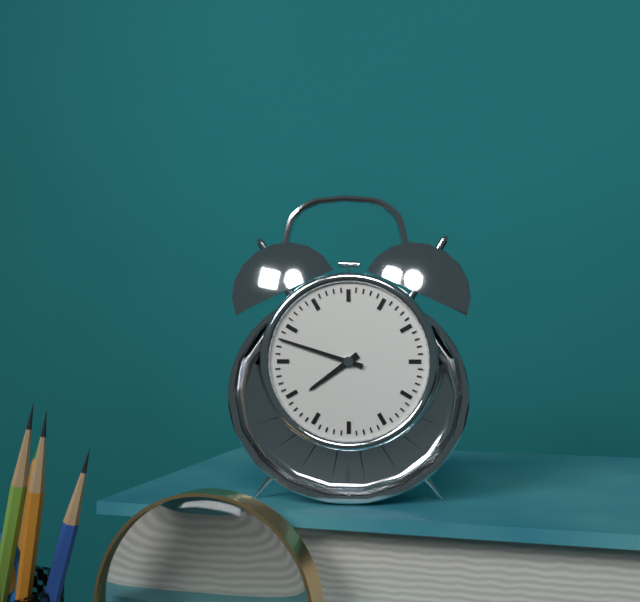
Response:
h=7 m=48
